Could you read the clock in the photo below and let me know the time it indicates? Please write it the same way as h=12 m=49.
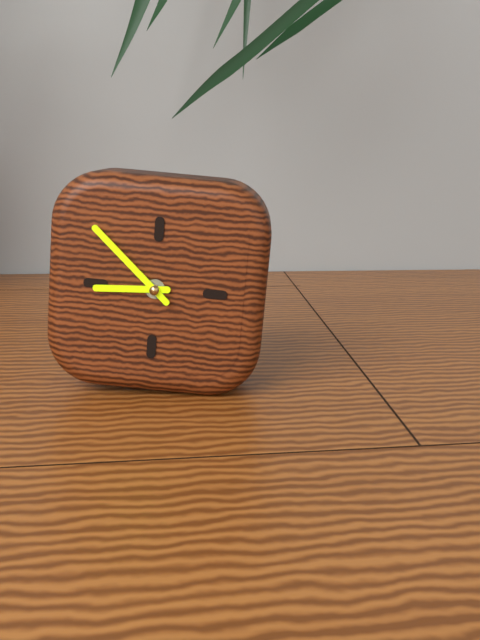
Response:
h=8 m=52
